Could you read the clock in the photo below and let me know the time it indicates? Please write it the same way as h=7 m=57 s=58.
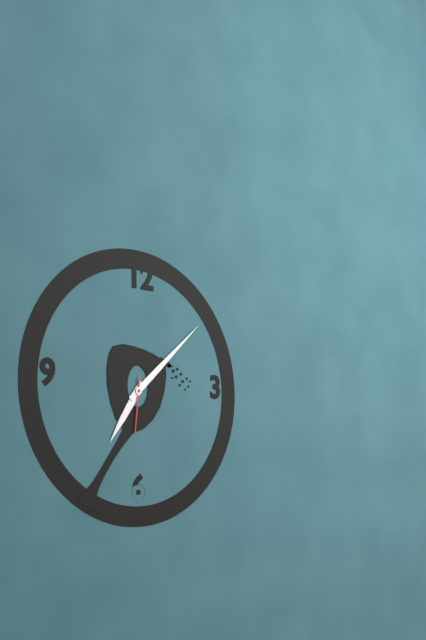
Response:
h=7 m=8 s=31
